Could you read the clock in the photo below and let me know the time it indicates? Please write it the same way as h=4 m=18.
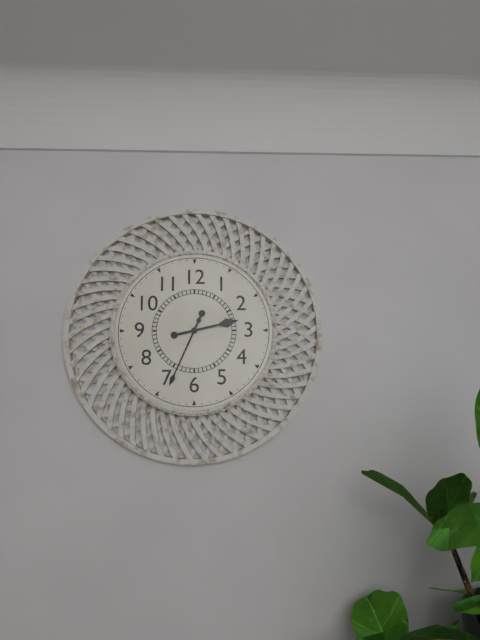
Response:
h=2 m=34
